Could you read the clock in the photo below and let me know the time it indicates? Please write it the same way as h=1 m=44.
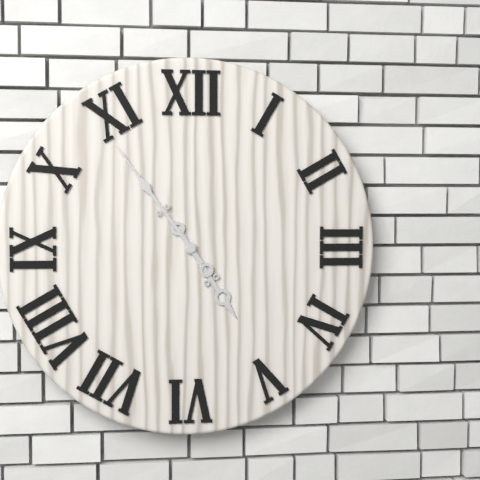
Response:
h=4 m=54
